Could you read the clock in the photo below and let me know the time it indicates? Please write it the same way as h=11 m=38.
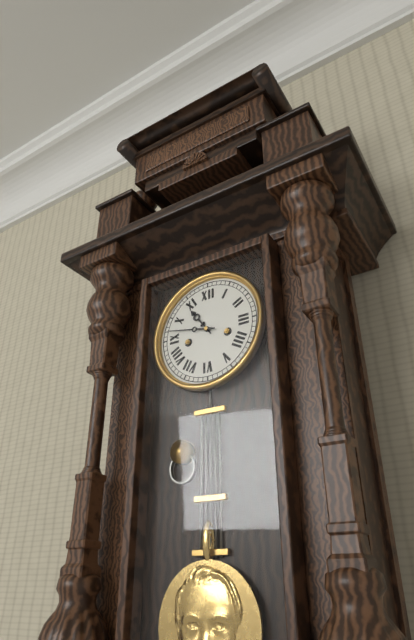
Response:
h=10 m=47
